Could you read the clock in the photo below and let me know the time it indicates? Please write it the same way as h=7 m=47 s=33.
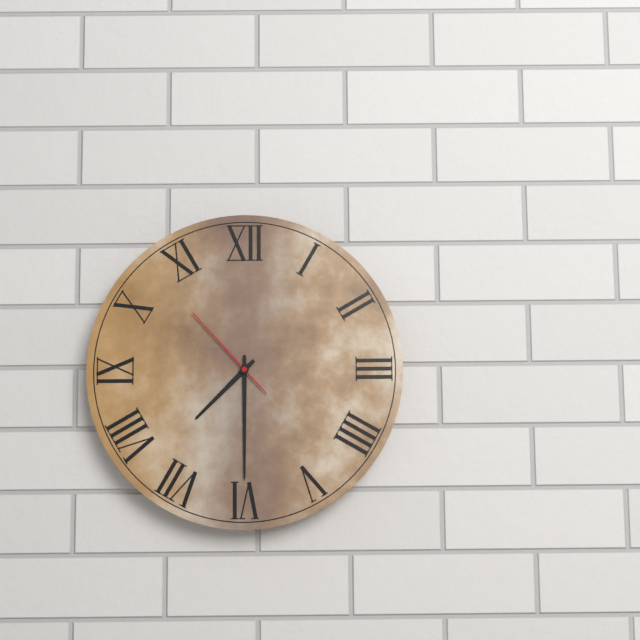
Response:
h=7 m=30 s=53
